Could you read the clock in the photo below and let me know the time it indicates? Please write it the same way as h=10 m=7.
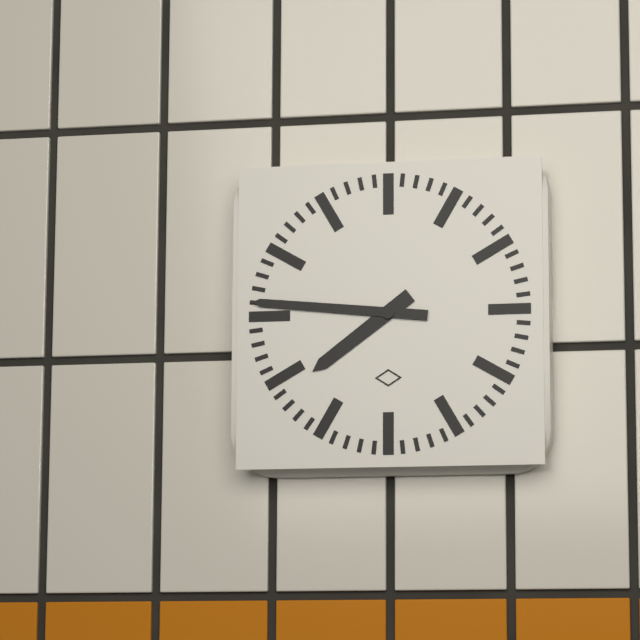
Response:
h=7 m=46
